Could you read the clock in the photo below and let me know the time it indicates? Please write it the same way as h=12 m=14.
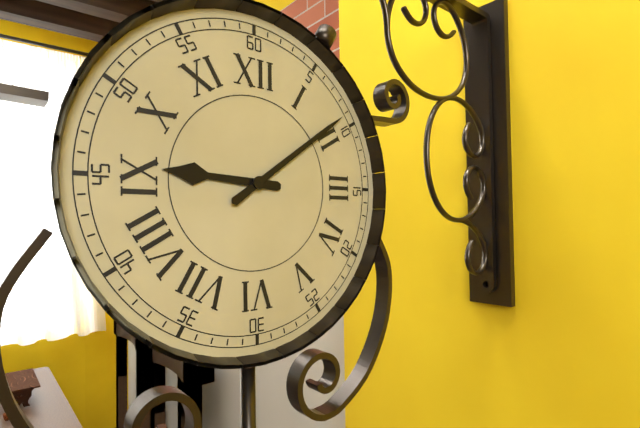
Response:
h=9 m=9
